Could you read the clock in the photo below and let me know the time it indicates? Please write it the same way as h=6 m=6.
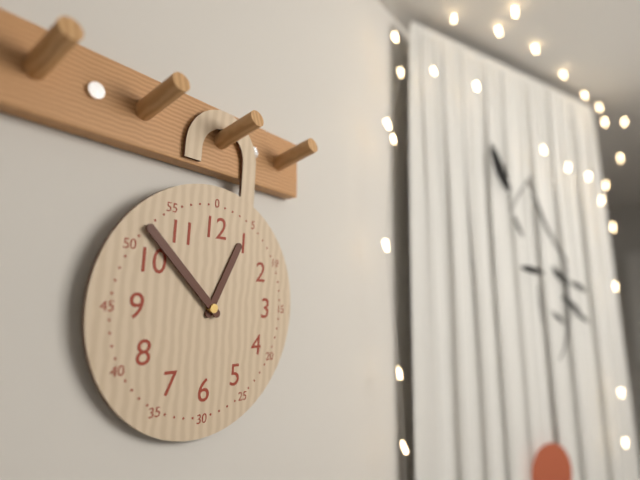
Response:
h=12 m=52
